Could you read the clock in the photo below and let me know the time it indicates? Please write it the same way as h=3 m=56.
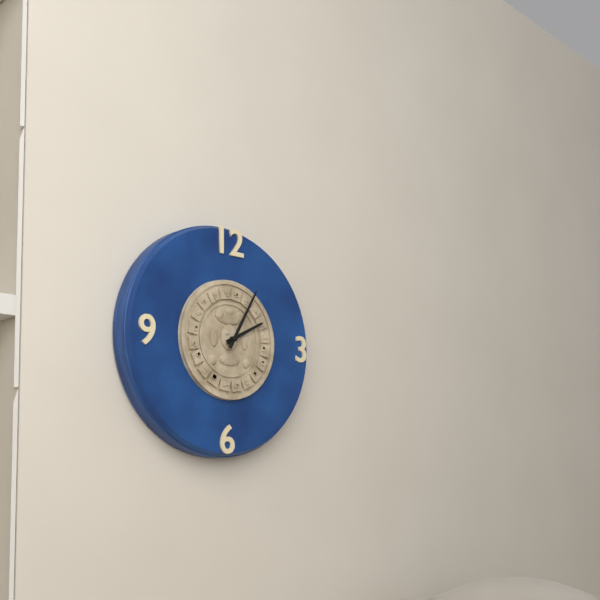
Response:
h=2 m=5
